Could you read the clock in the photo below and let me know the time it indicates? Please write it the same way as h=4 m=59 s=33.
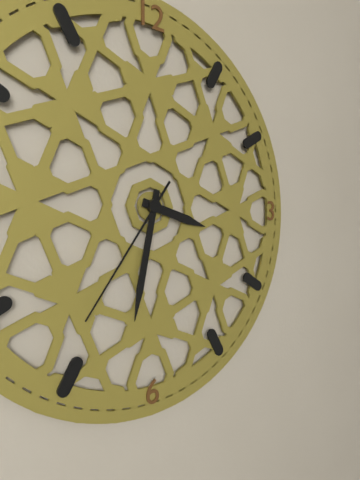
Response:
h=3 m=32 s=36
